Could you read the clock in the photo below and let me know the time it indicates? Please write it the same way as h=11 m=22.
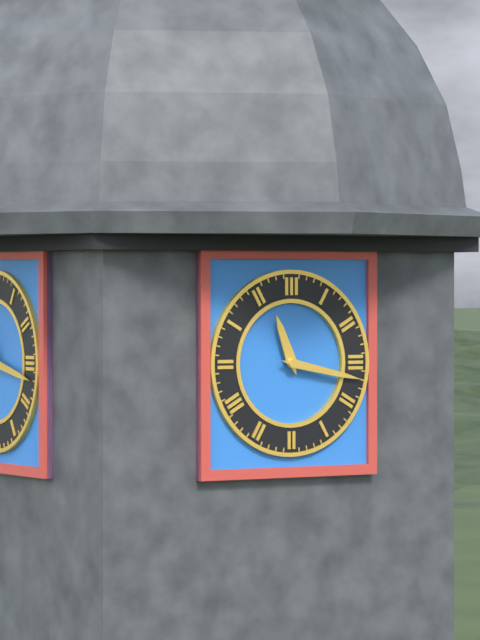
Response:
h=11 m=17
